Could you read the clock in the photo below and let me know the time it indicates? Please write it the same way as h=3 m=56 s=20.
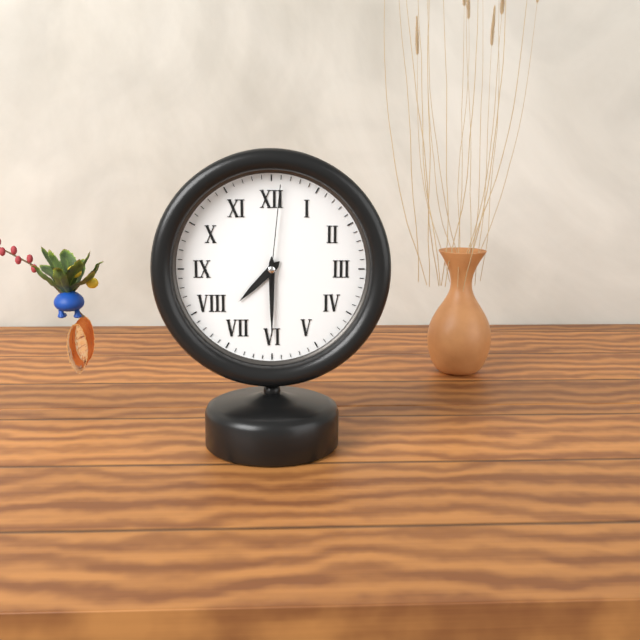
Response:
h=7 m=30 s=1
